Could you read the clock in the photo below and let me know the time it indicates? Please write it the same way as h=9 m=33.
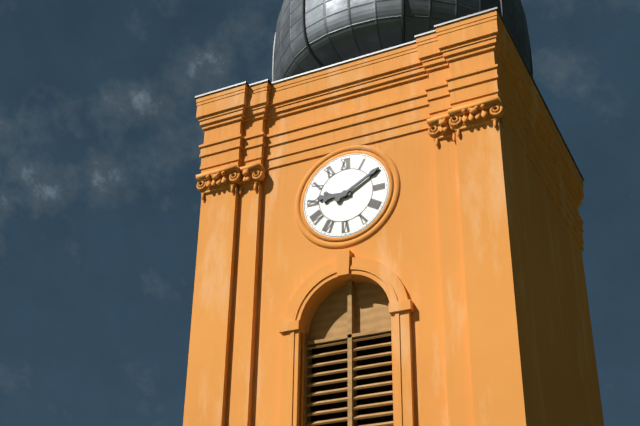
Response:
h=9 m=10
